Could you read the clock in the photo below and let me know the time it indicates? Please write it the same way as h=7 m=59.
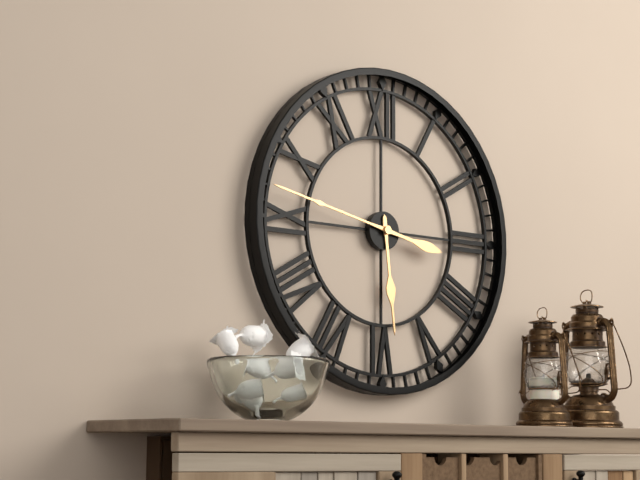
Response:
h=5 m=47
